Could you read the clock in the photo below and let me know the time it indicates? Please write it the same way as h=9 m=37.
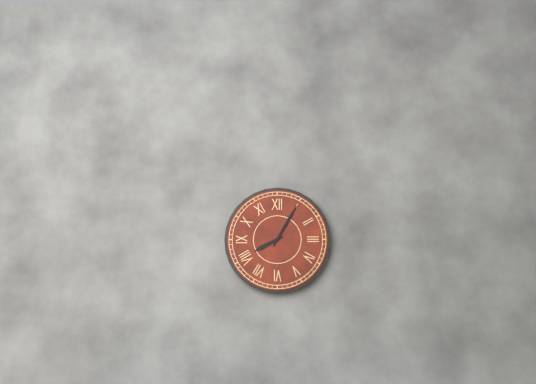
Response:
h=8 m=5
